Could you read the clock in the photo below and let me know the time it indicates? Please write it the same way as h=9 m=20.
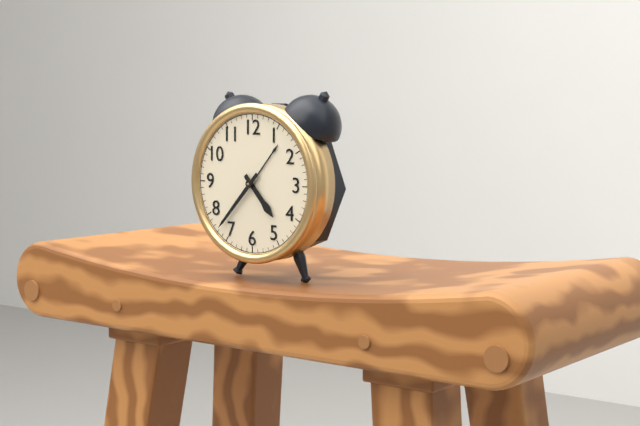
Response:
h=4 m=37
